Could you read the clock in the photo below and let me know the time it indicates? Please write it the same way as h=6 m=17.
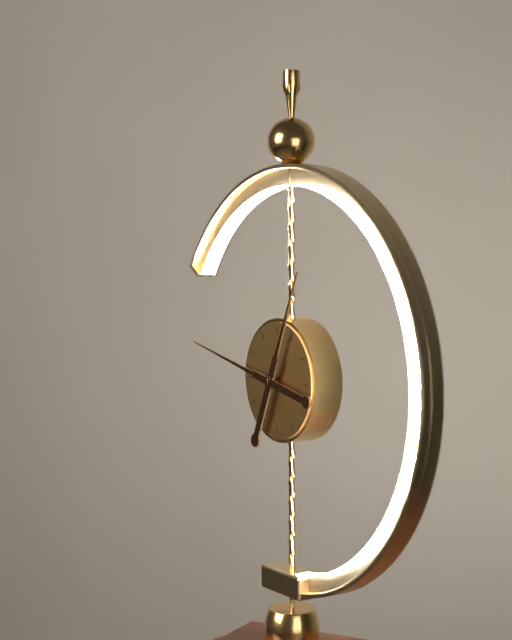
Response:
h=12 m=47
